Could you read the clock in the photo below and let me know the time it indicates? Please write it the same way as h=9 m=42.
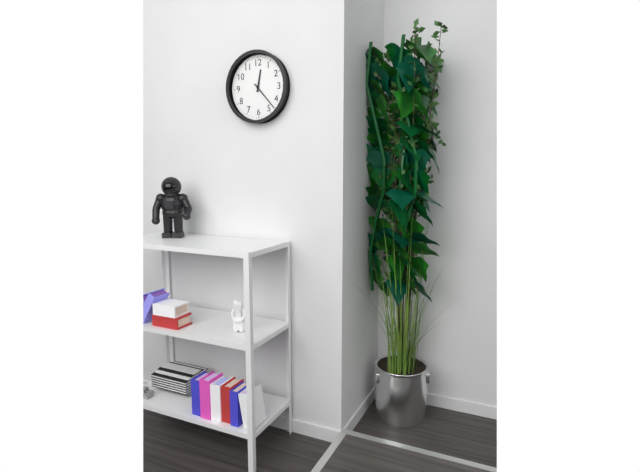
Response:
h=12 m=23
